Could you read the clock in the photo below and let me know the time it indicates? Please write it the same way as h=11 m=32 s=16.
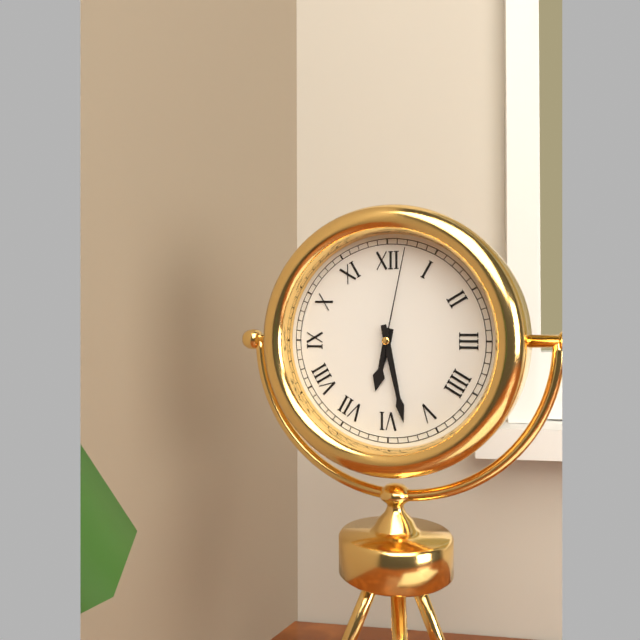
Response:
h=6 m=28 s=2
